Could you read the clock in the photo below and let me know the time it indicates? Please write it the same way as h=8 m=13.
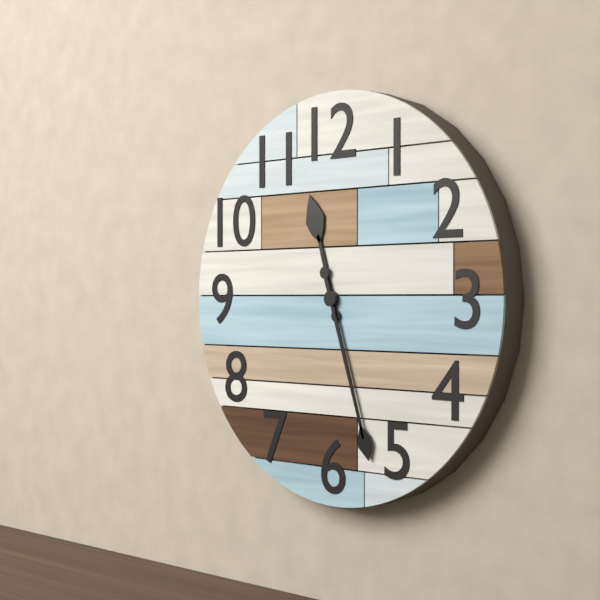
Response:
h=11 m=27
